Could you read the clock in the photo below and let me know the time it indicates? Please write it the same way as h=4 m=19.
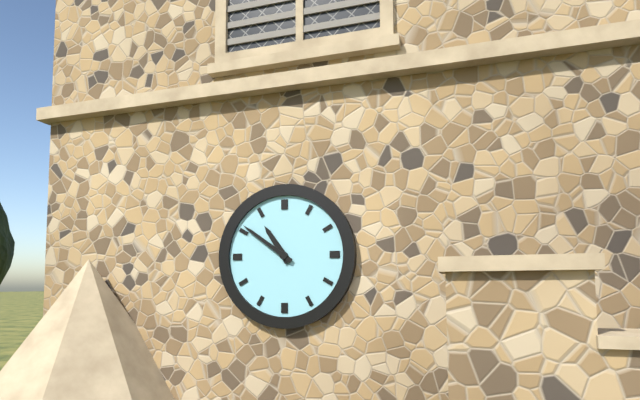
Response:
h=10 m=51
